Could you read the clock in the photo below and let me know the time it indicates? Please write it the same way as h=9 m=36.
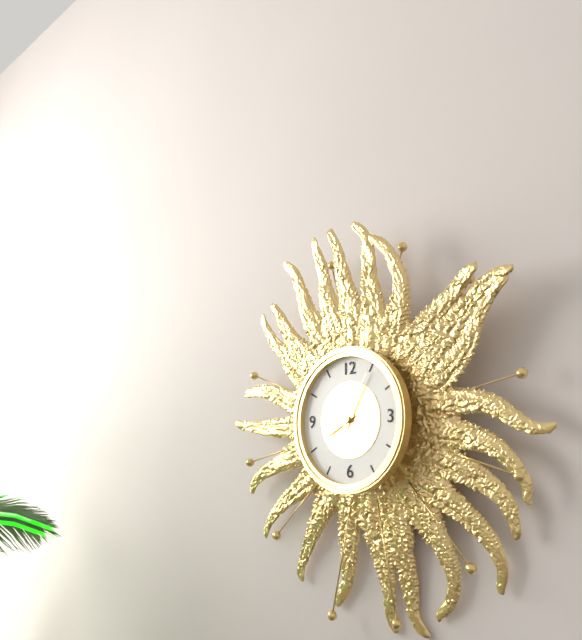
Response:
h=8 m=5
